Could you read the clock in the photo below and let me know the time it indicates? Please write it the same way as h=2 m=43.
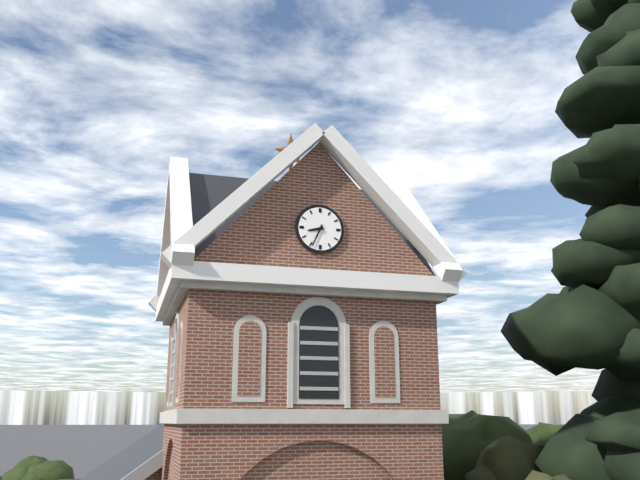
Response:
h=8 m=34
